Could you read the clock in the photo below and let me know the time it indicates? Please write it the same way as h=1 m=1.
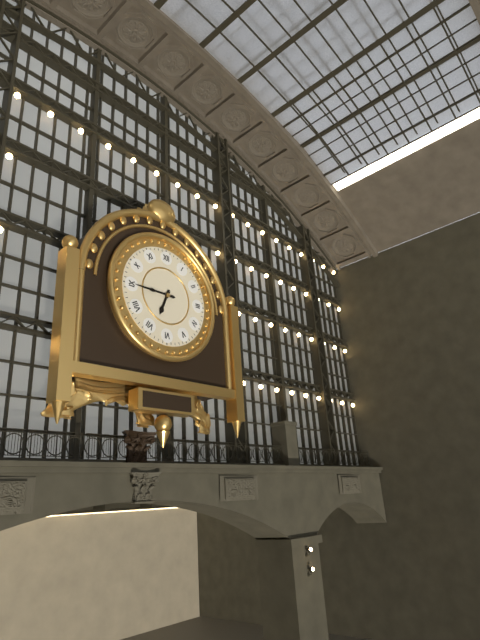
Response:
h=6 m=45
